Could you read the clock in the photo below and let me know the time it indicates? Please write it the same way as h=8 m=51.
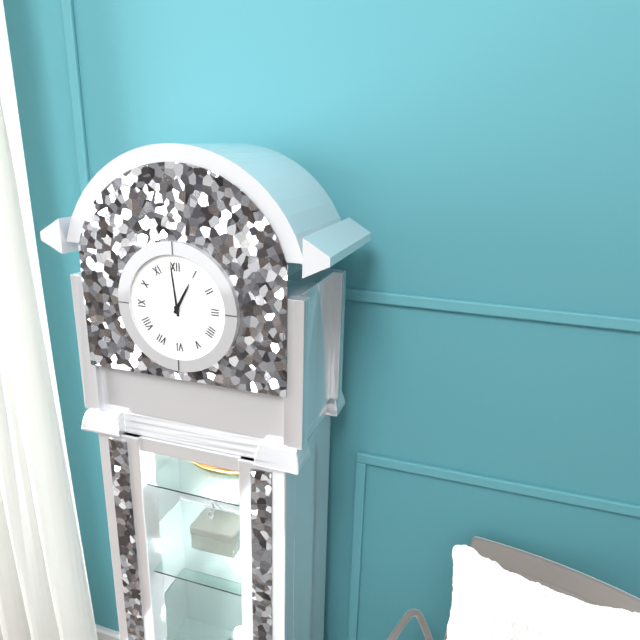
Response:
h=12 m=59
